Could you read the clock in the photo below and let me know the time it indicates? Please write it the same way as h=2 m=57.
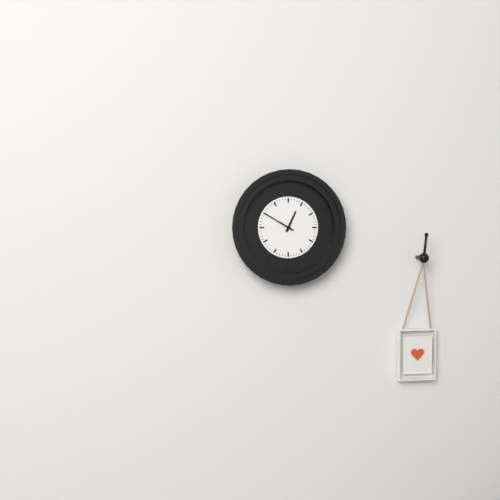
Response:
h=12 m=50
